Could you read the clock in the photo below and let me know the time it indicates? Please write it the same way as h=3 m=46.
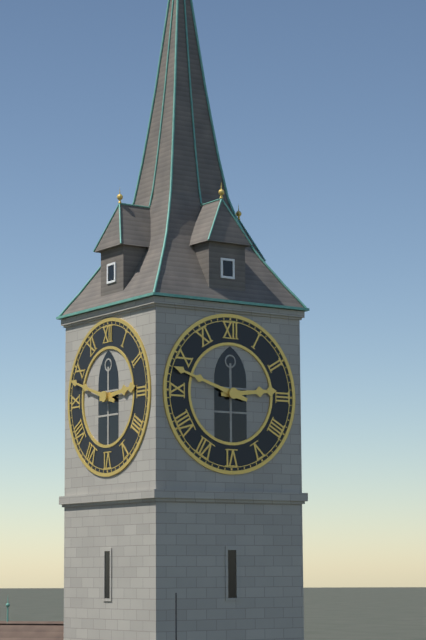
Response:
h=2 m=48
